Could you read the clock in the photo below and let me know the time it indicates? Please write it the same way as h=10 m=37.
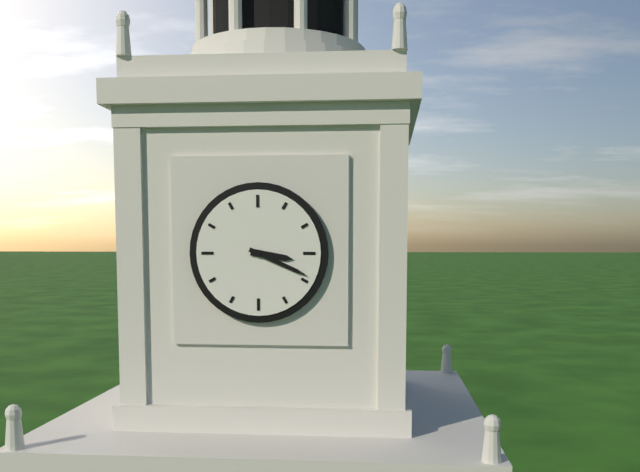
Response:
h=3 m=19
